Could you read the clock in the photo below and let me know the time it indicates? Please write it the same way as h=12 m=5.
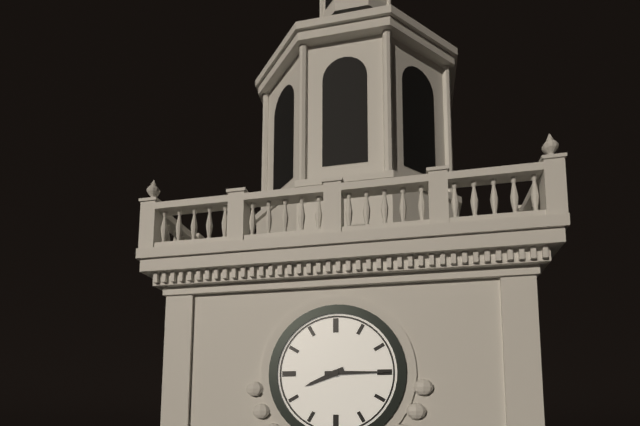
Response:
h=8 m=15
